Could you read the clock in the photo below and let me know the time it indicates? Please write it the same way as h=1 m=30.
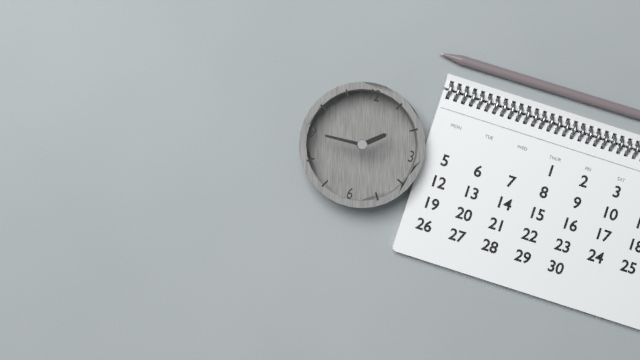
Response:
h=1 m=45
